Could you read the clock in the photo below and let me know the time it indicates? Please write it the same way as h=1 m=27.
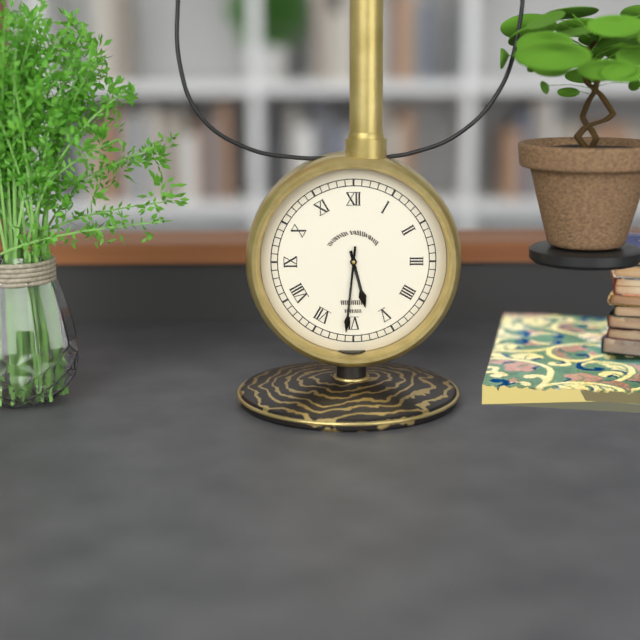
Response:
h=5 m=31
